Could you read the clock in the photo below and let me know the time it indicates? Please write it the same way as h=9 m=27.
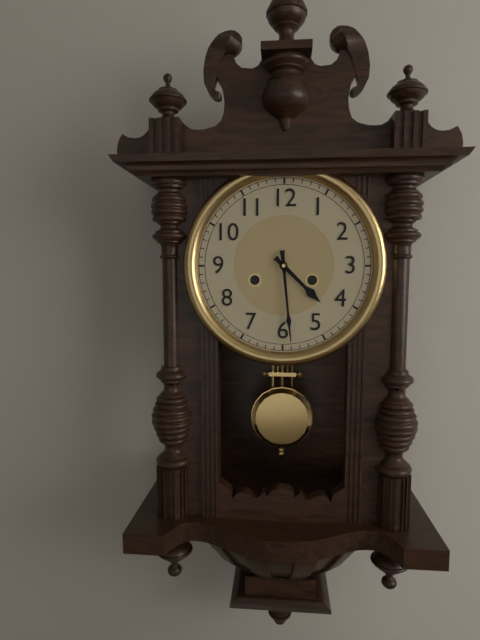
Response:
h=4 m=29
